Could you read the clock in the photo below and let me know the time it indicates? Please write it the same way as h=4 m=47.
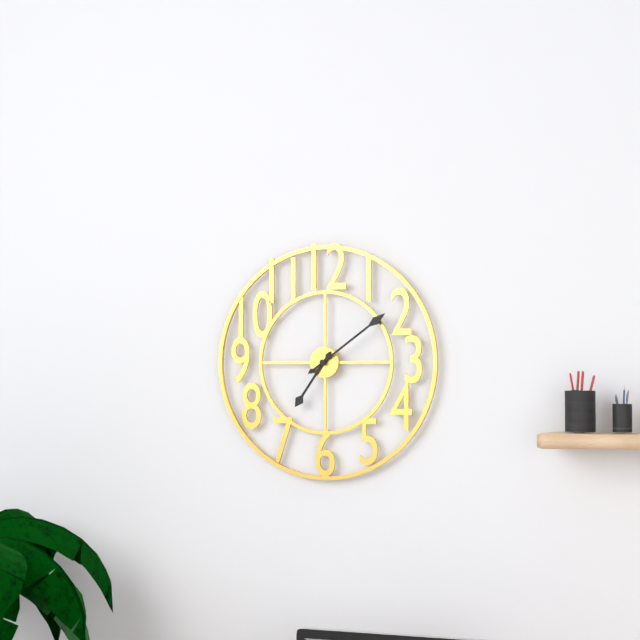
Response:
h=7 m=9
